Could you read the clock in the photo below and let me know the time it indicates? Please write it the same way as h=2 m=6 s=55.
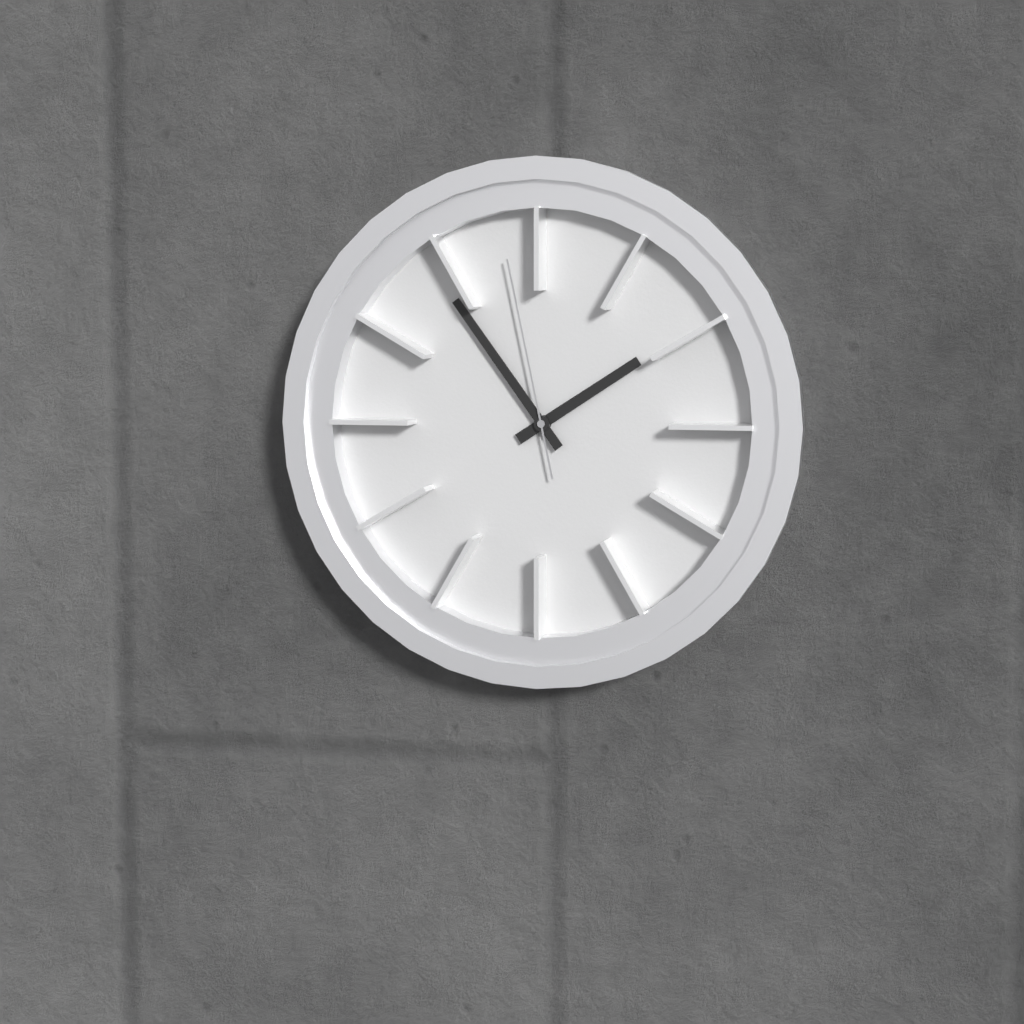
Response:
h=1 m=54 s=58
